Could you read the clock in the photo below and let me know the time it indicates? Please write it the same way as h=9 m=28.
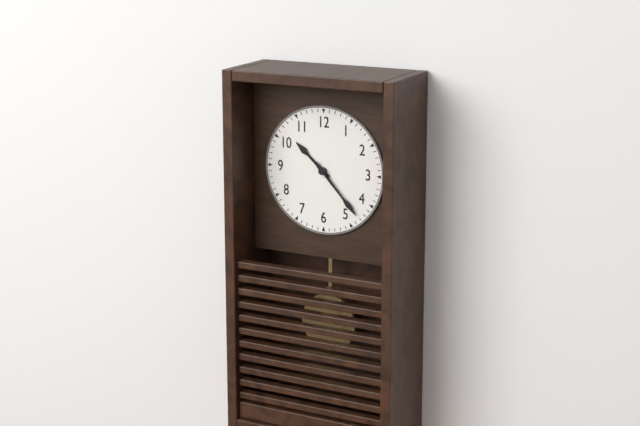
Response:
h=10 m=23
